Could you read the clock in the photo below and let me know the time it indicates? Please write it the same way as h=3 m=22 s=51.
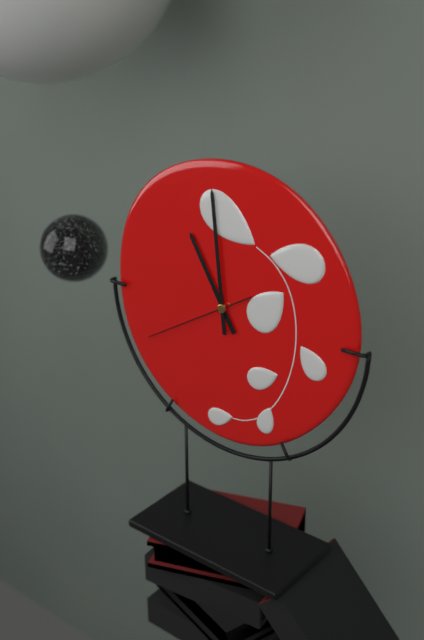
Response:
h=10 m=59 s=40
